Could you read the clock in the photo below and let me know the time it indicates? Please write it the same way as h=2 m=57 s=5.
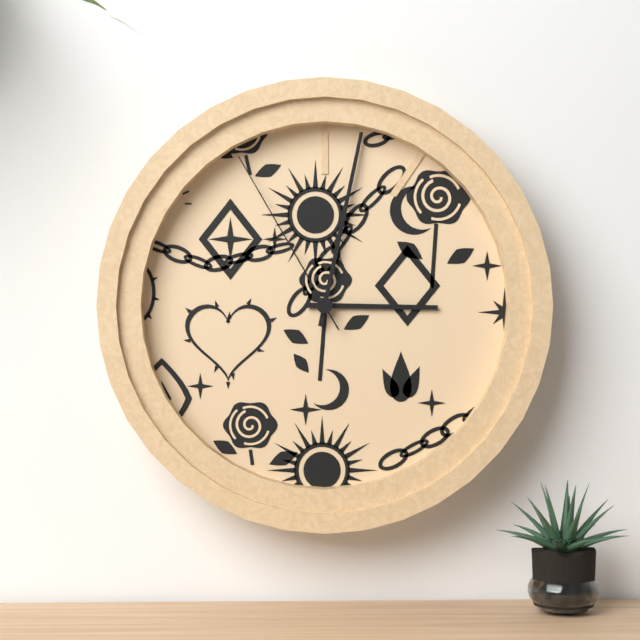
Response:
h=3 m=2 s=55
